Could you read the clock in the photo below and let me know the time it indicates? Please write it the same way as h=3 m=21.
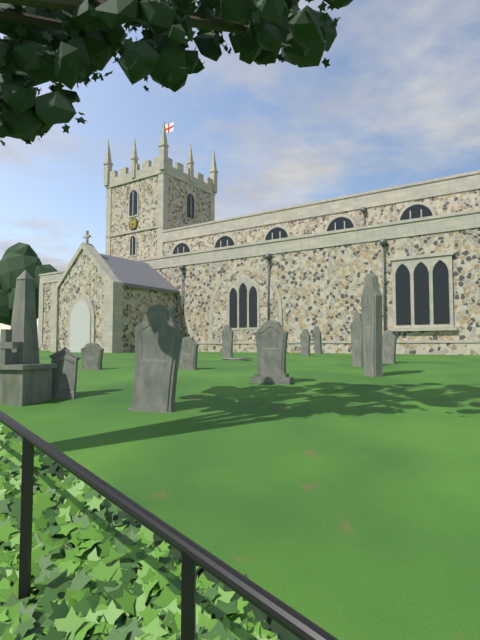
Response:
h=3 m=31
